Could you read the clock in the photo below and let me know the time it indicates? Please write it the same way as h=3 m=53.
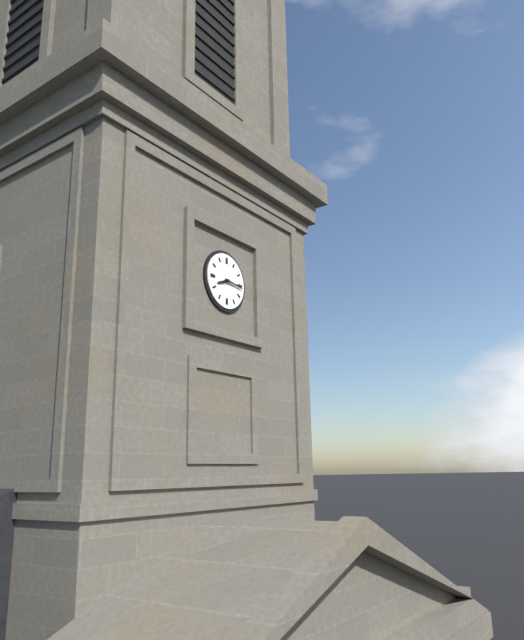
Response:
h=8 m=16
